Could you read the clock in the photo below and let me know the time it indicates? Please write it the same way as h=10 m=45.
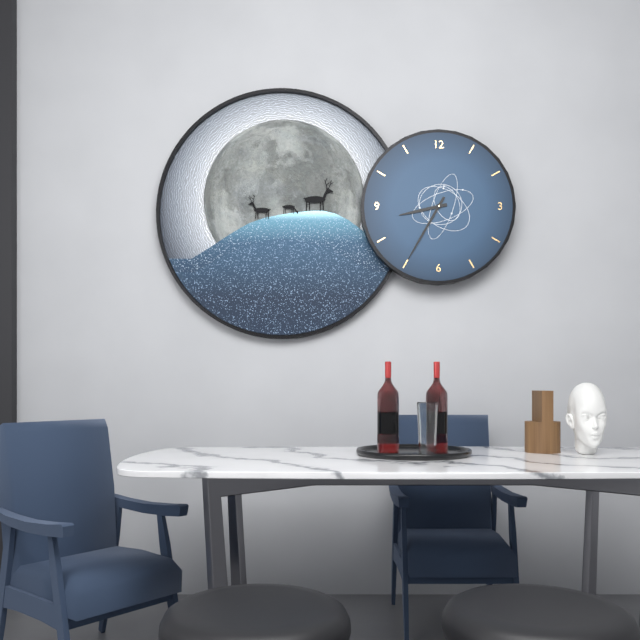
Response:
h=8 m=35
